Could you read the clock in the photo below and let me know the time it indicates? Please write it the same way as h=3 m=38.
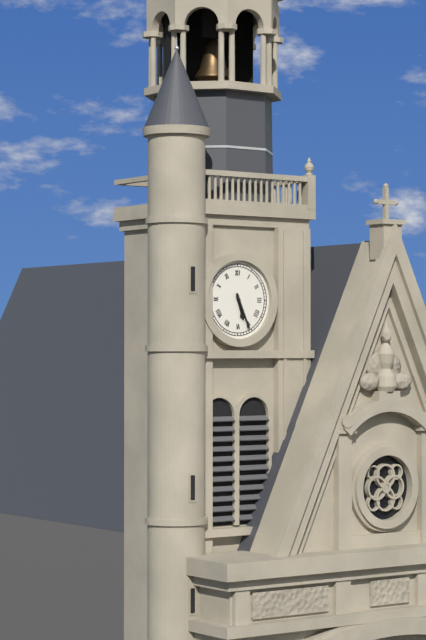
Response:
h=5 m=26
